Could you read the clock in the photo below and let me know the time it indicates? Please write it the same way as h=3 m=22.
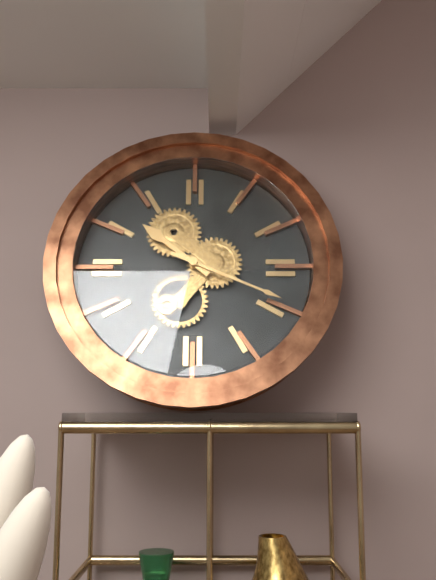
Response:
h=10 m=19
